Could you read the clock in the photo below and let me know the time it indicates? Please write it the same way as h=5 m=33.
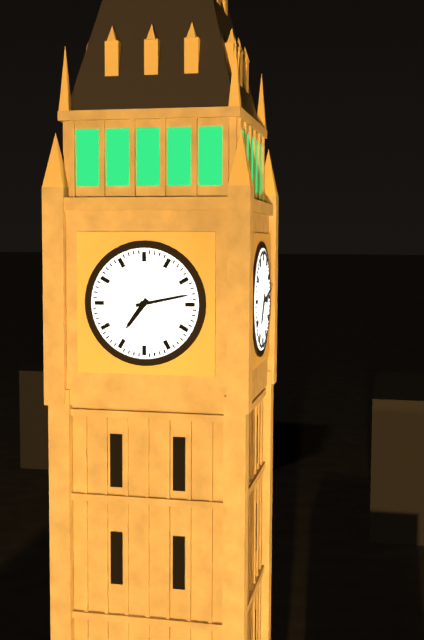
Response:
h=7 m=13
